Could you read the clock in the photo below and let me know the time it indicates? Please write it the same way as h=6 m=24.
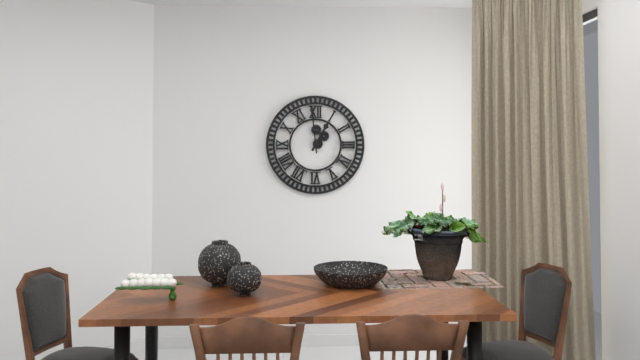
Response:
h=12 m=59
